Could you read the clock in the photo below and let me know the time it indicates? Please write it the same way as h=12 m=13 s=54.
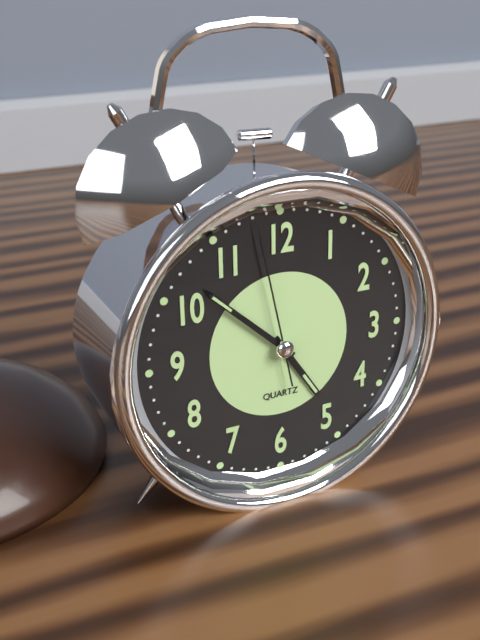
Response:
h=4 m=52 s=58
